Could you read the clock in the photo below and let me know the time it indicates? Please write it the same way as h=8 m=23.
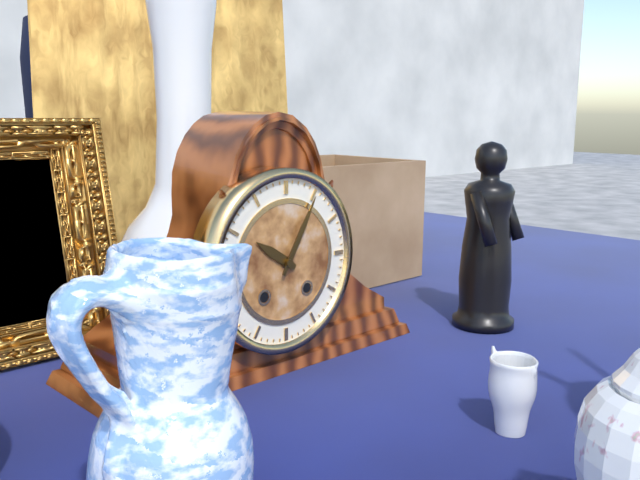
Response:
h=10 m=5
